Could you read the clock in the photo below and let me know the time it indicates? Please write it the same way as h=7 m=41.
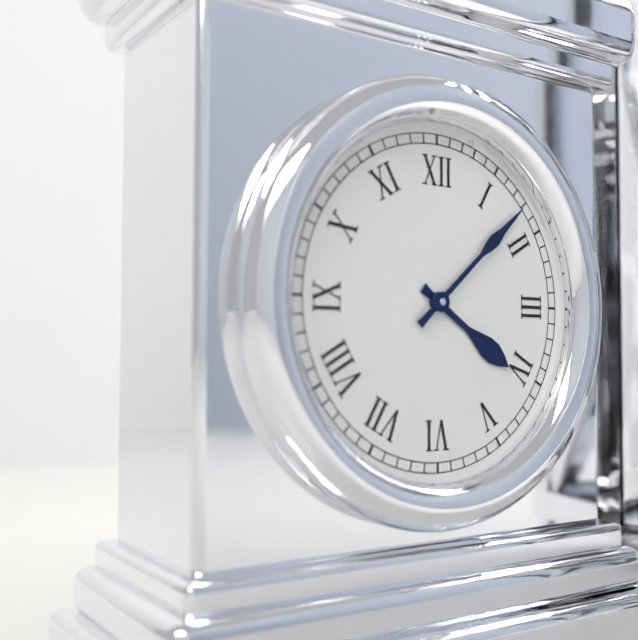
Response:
h=4 m=8
